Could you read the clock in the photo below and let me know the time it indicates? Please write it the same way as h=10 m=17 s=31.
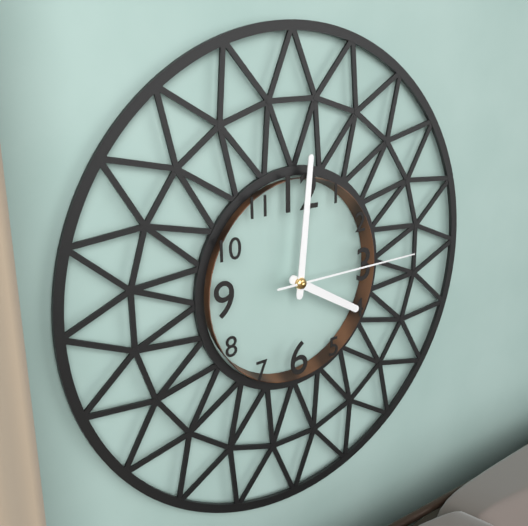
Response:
h=4 m=1 s=15
